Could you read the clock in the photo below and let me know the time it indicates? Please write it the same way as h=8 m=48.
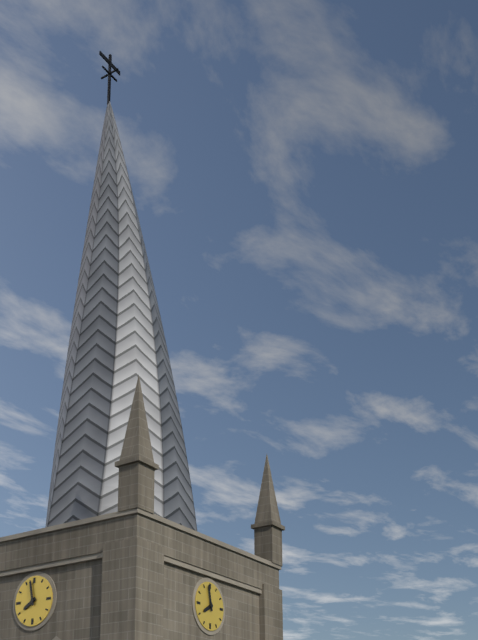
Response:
h=7 m=58
